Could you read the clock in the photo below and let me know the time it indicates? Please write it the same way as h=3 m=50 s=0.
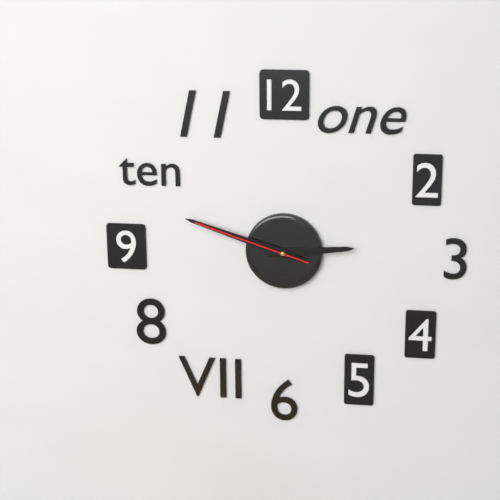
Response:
h=2 m=48 s=48
